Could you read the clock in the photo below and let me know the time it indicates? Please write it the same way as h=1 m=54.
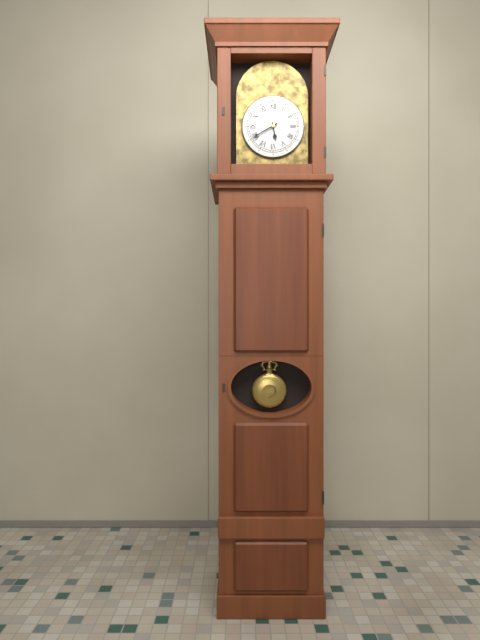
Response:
h=5 m=40
